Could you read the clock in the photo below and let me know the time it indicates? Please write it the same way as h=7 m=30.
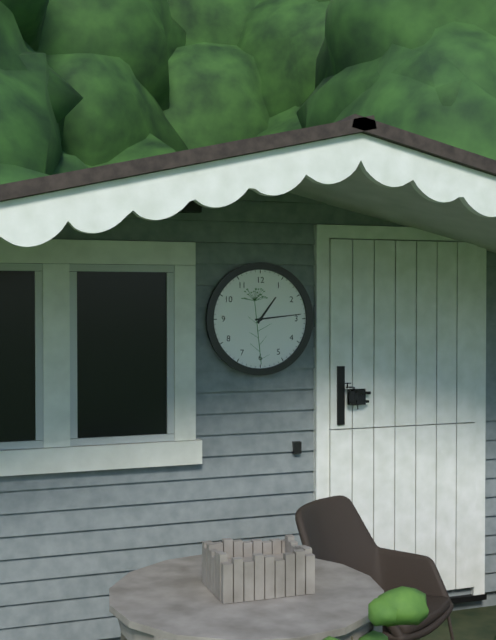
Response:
h=1 m=14
